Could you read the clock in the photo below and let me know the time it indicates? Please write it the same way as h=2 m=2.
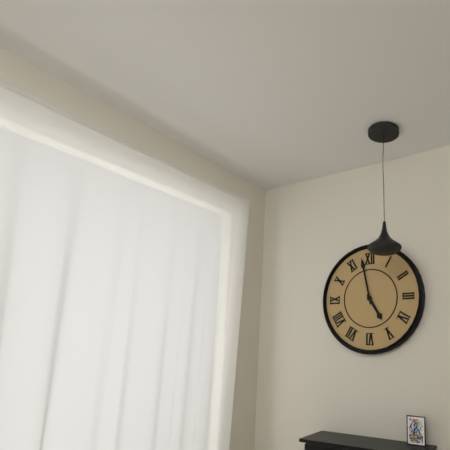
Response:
h=4 m=58
